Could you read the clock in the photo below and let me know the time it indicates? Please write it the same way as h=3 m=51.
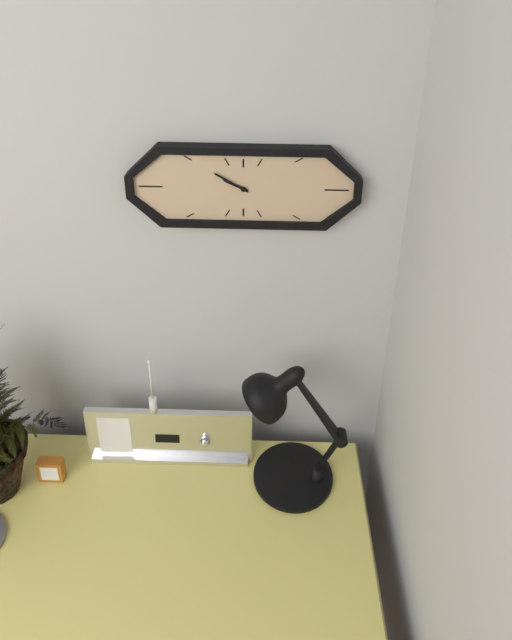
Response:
h=9 m=50
